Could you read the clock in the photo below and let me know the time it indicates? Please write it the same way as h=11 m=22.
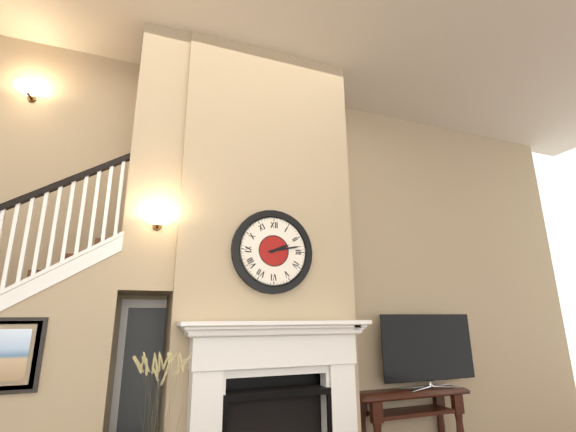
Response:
h=2 m=13
